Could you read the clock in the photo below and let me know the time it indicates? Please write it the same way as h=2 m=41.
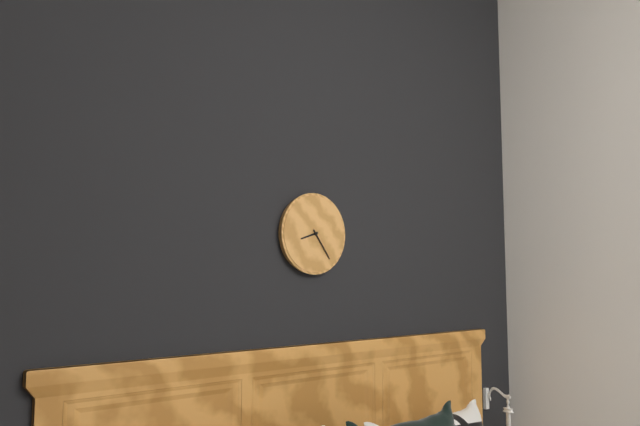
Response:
h=8 m=24
